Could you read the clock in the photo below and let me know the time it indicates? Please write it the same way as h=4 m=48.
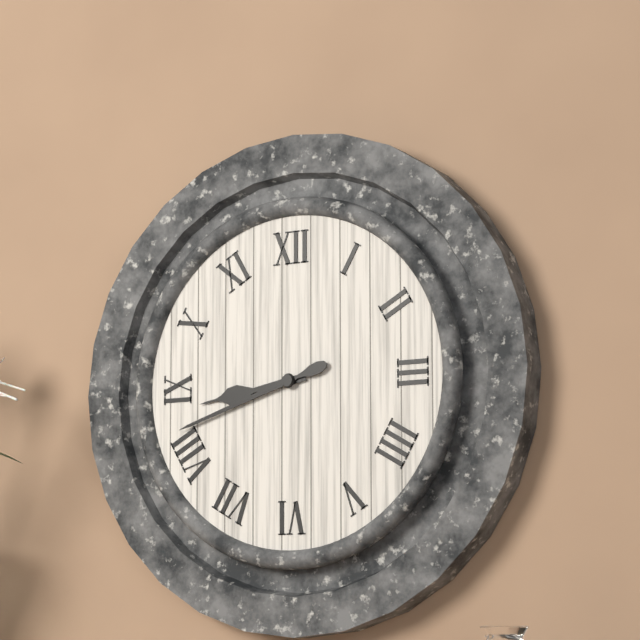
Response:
h=8 m=42
